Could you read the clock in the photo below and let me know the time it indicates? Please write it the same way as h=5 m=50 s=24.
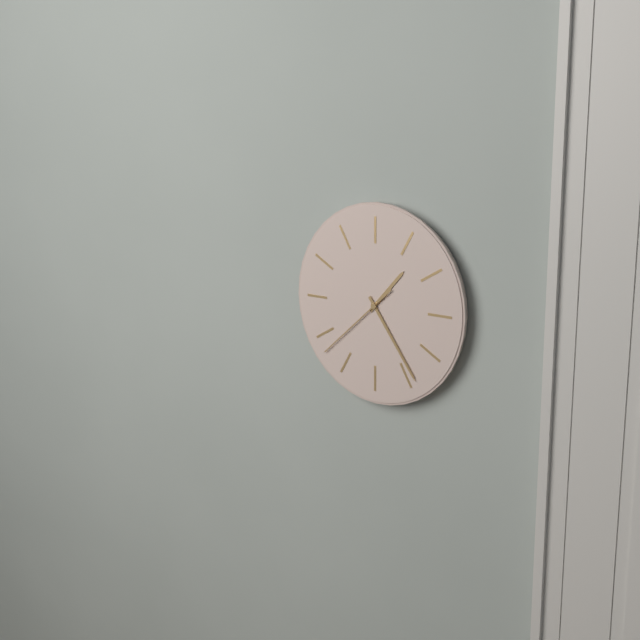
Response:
h=1 m=24 s=38
